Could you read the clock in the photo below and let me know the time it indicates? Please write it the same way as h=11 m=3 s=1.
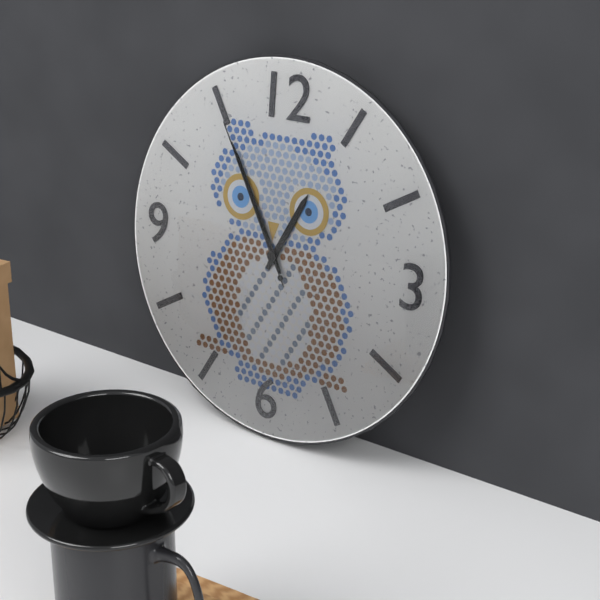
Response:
h=12 m=55 s=55
